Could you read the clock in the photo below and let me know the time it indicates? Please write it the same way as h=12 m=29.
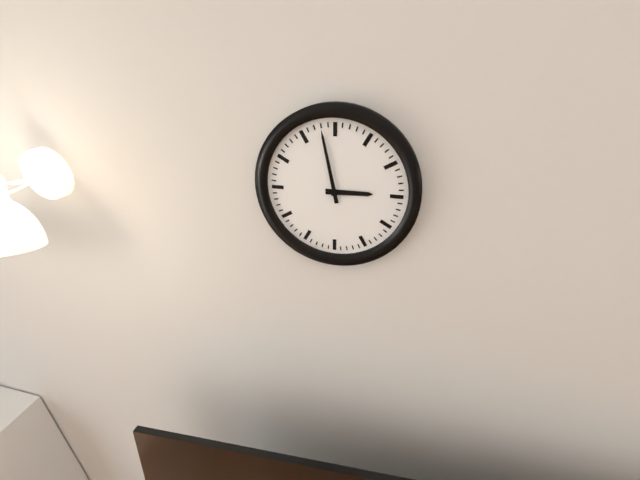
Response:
h=2 m=58
